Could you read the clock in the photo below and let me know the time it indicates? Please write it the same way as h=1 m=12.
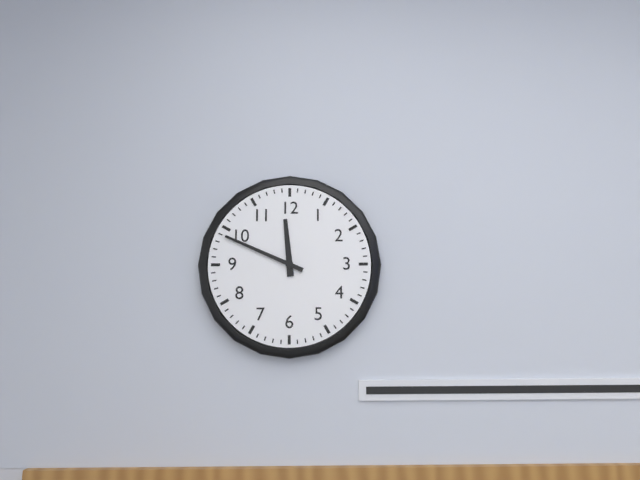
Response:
h=11 m=49
